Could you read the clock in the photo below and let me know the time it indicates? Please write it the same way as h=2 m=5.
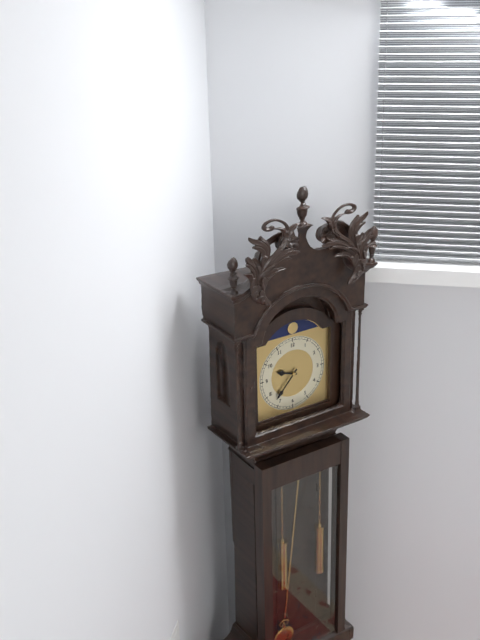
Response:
h=9 m=37
